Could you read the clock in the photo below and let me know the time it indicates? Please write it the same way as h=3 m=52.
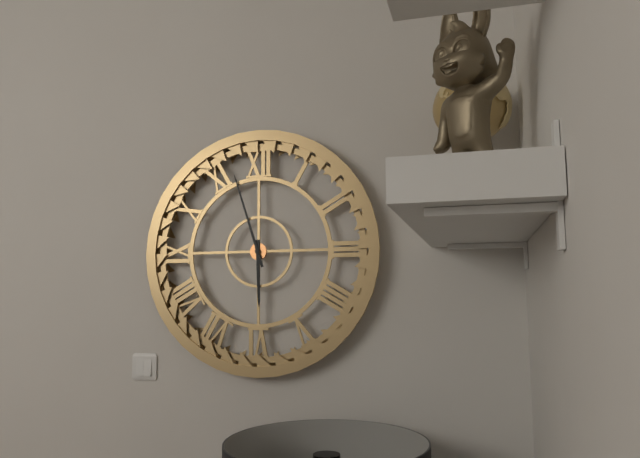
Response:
h=5 m=57
